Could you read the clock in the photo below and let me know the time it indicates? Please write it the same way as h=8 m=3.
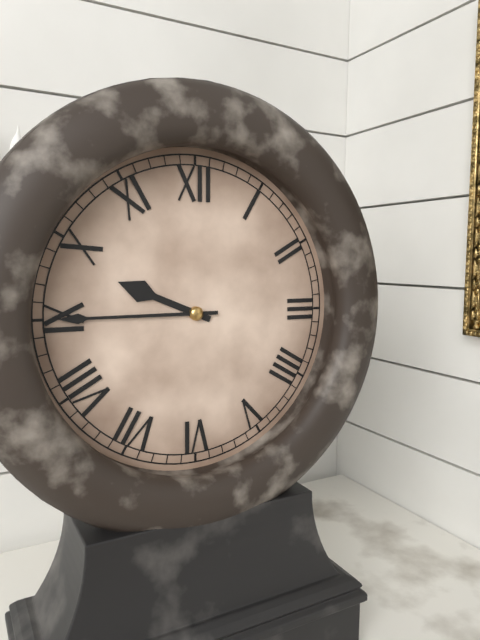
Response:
h=9 m=45
